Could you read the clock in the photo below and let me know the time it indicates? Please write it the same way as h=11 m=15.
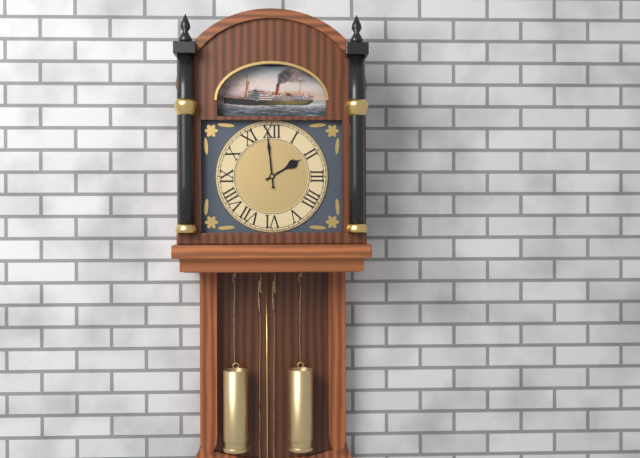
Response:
h=1 m=59
